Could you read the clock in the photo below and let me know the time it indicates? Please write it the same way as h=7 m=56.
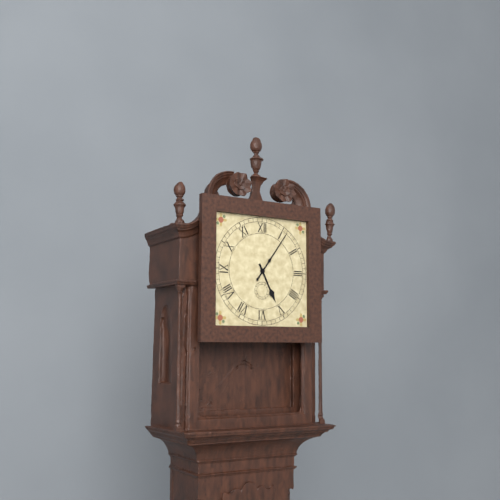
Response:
h=5 m=6
